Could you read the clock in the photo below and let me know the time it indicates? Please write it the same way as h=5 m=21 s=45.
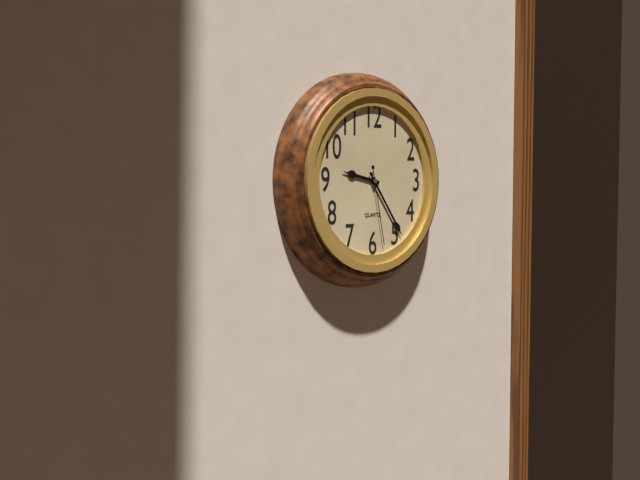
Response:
h=9 m=24 s=28
